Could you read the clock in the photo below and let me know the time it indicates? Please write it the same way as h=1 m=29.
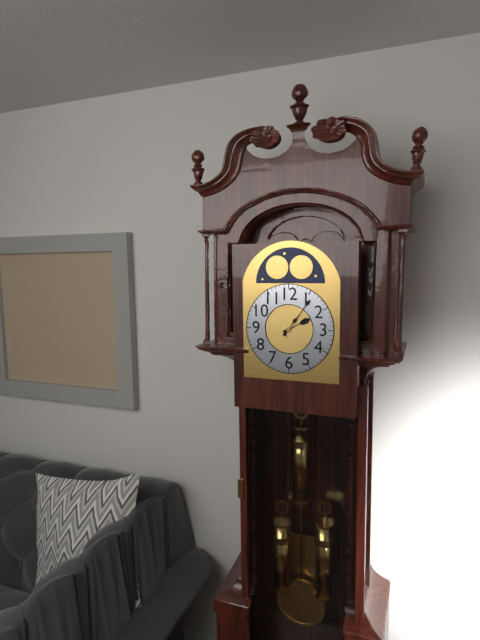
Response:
h=2 m=6
